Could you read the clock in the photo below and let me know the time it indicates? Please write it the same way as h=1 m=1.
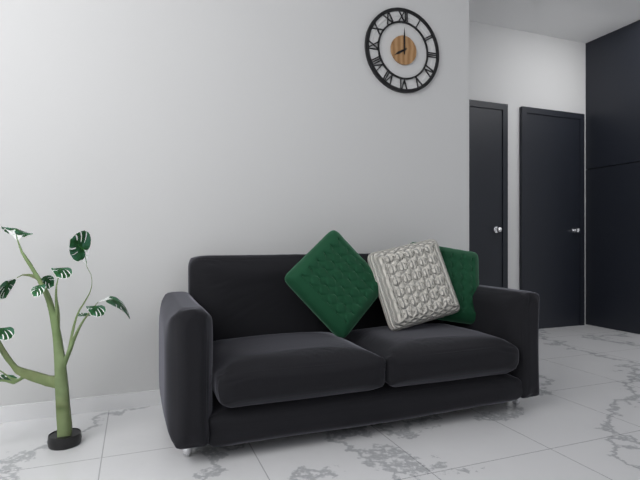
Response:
h=8 m=0
